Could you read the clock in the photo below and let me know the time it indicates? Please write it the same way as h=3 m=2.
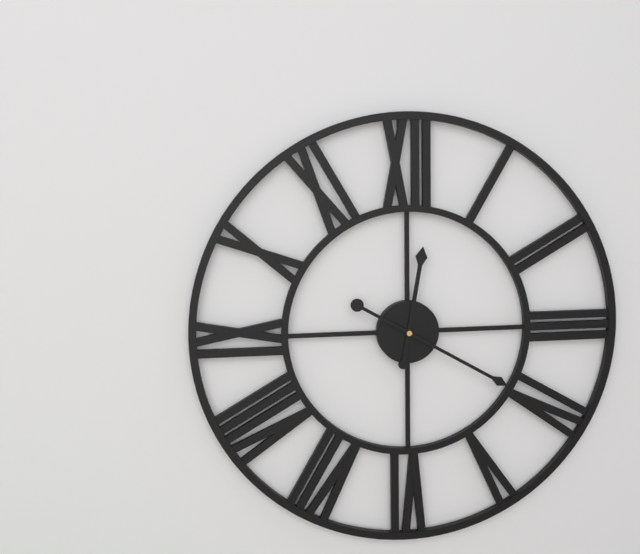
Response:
h=12 m=20
